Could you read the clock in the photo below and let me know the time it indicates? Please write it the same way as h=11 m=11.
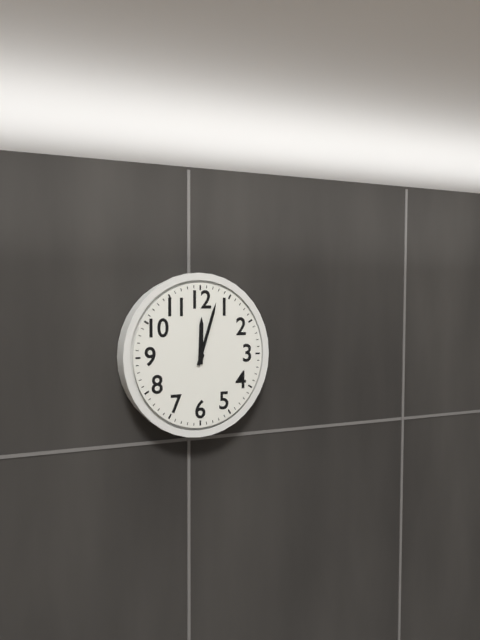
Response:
h=12 m=3
